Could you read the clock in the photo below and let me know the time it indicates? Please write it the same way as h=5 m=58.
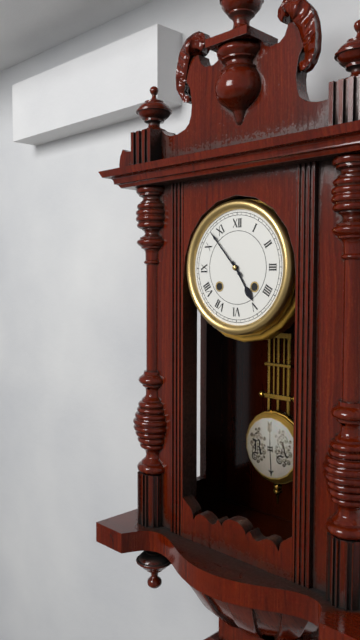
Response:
h=4 m=53
